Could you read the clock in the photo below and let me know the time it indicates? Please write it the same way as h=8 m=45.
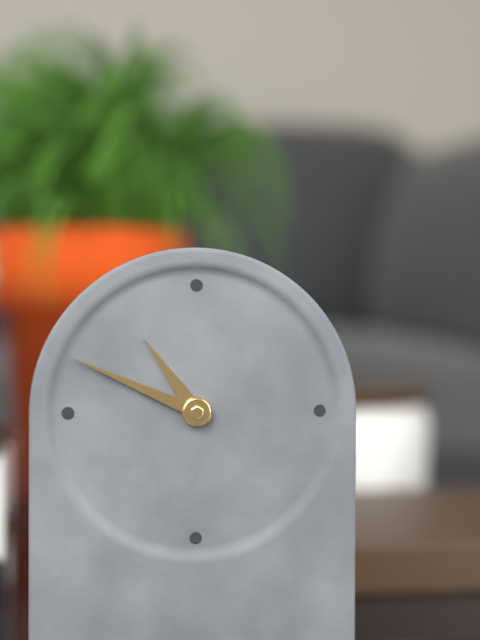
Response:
h=10 m=49
